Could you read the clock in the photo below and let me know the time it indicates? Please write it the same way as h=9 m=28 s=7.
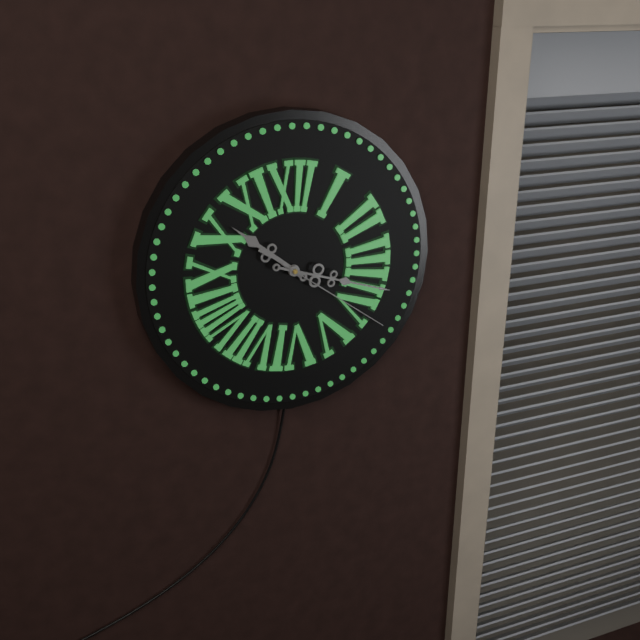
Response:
h=10 m=18 s=21
